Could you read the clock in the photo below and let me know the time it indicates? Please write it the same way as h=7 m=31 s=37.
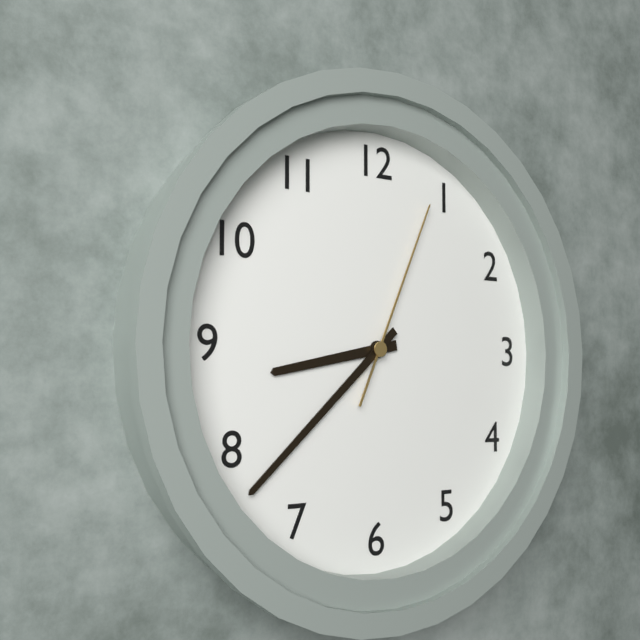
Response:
h=8 m=38 s=4
